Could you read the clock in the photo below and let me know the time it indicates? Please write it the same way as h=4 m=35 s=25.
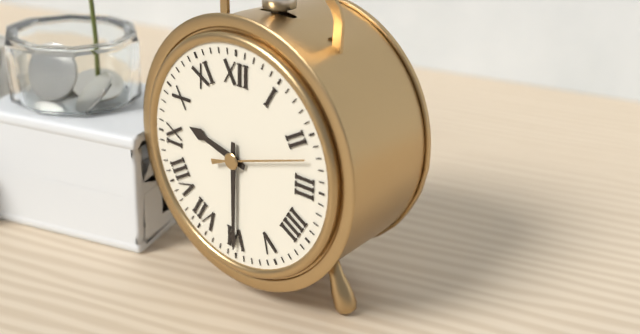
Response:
h=9 m=30 s=12
